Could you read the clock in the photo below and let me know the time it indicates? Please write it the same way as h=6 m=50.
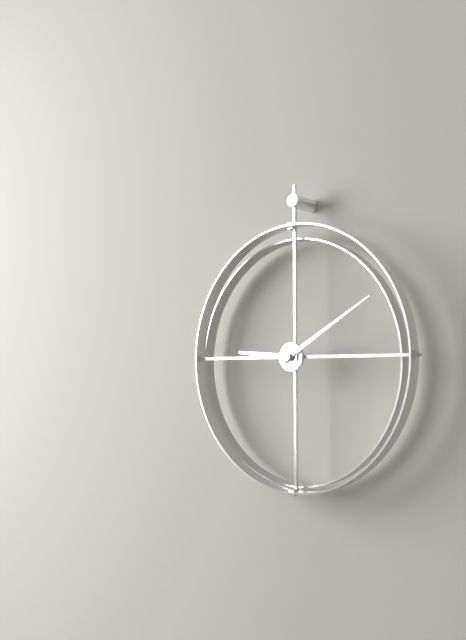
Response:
h=9 m=10
